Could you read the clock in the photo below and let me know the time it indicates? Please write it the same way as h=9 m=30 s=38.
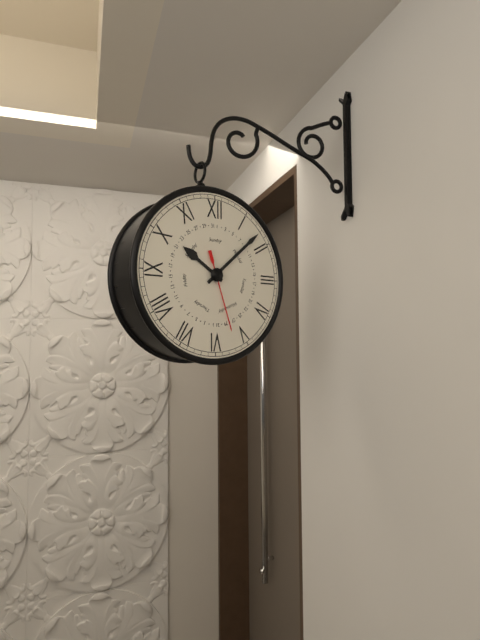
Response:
h=10 m=8 s=27
